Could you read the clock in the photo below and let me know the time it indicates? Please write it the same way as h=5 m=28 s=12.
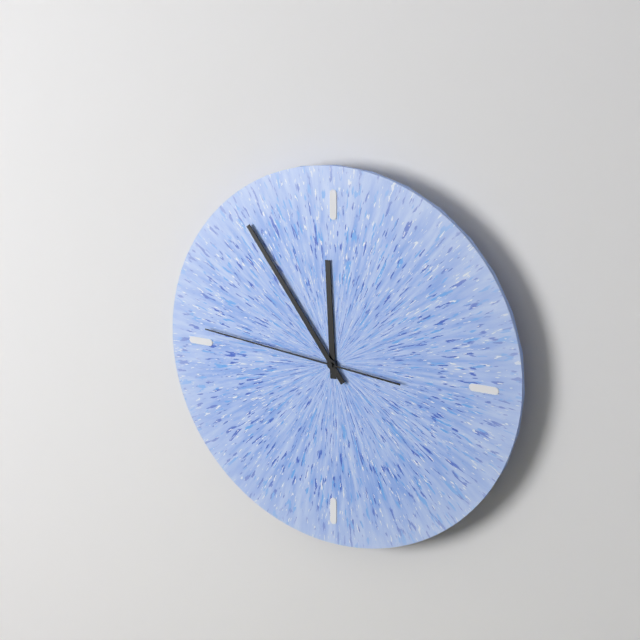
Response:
h=11 m=54 s=46
